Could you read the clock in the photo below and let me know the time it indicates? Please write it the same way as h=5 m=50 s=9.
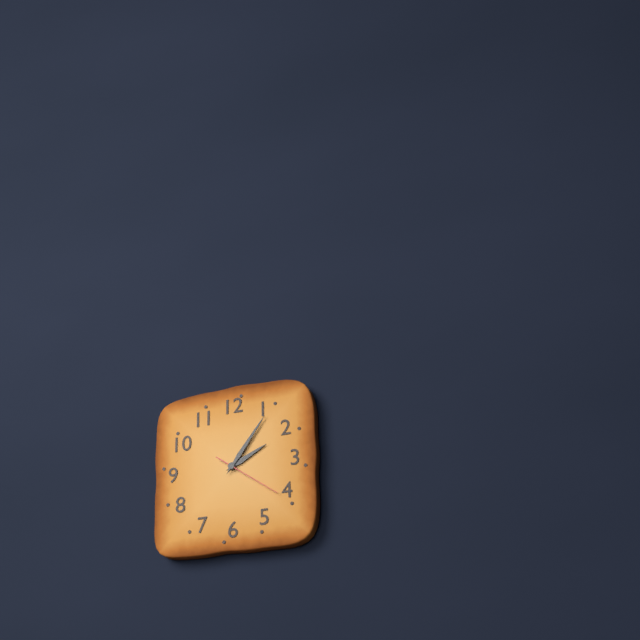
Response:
h=2 m=6 s=21
